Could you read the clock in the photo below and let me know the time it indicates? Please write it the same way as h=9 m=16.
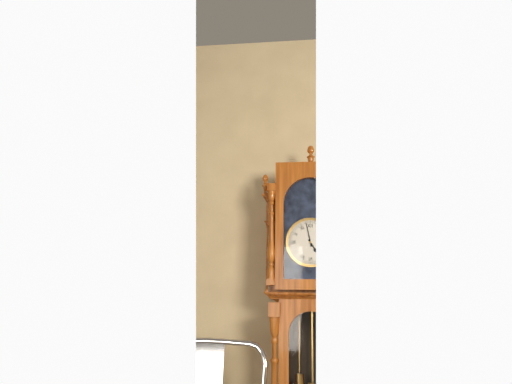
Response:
h=4 m=58
